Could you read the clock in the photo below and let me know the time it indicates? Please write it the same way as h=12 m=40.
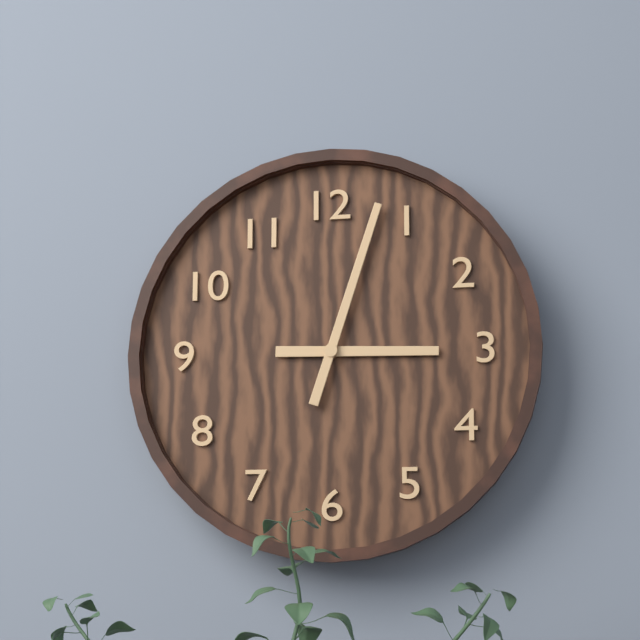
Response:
h=3 m=3
